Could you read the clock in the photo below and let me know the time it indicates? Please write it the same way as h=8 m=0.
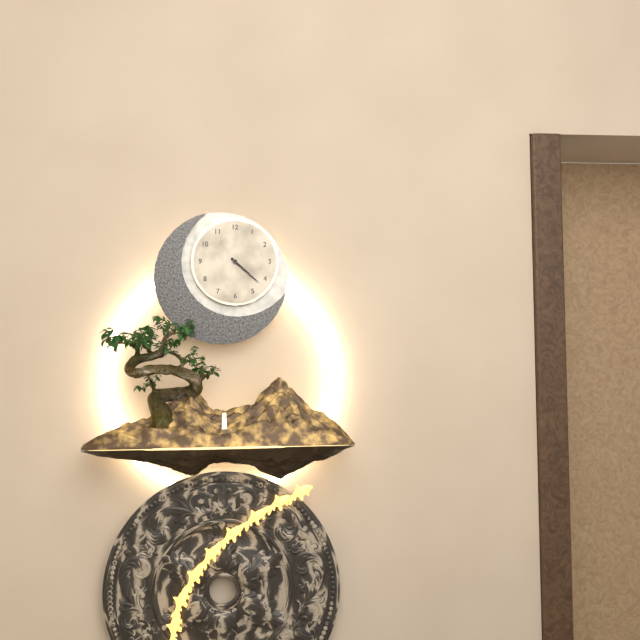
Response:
h=4 m=22
